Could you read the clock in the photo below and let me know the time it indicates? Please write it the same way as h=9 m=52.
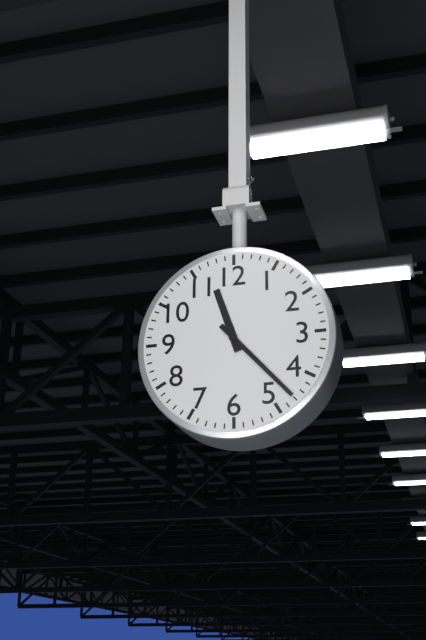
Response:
h=11 m=23
